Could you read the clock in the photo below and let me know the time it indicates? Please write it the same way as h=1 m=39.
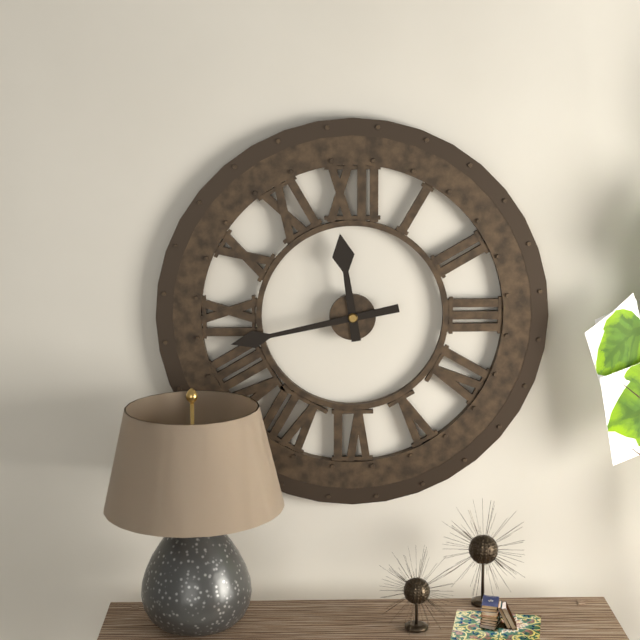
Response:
h=11 m=43
